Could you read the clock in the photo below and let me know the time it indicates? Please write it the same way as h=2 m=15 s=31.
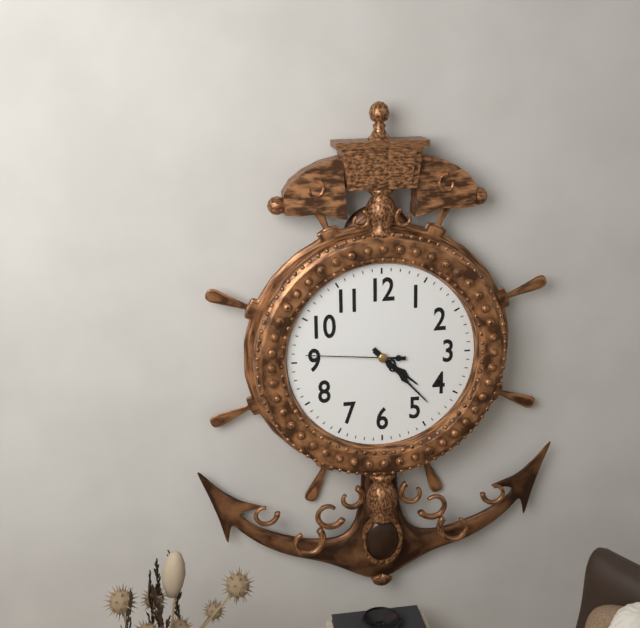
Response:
h=4 m=23 s=46
